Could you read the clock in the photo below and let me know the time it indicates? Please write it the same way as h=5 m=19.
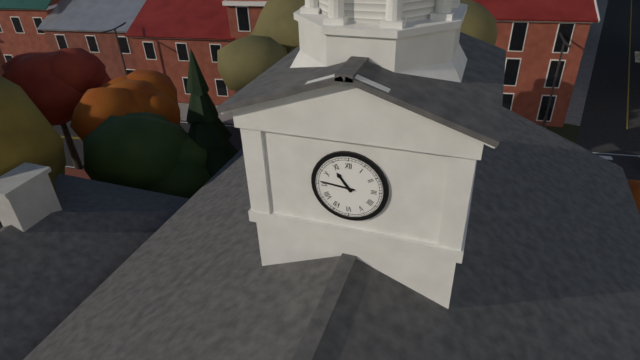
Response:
h=10 m=46
